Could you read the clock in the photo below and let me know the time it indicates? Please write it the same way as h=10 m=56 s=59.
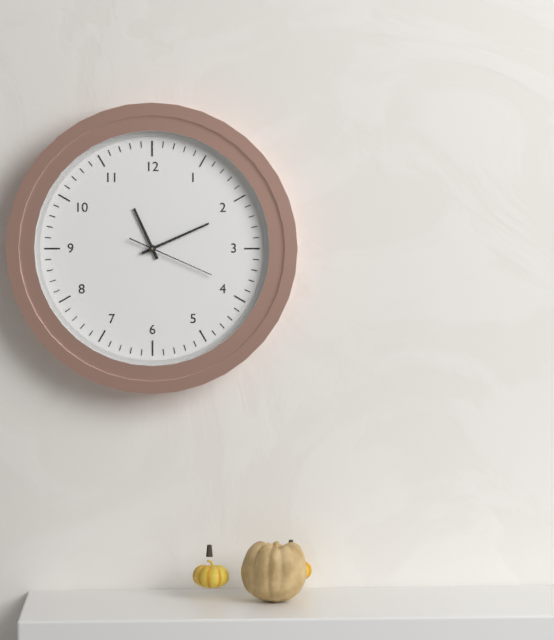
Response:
h=11 m=11 s=19
